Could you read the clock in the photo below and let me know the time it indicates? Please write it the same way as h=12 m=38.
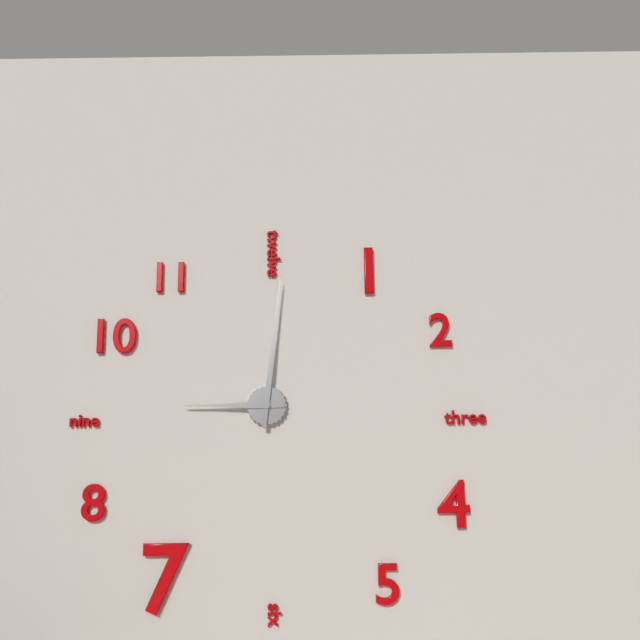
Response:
h=9 m=1
